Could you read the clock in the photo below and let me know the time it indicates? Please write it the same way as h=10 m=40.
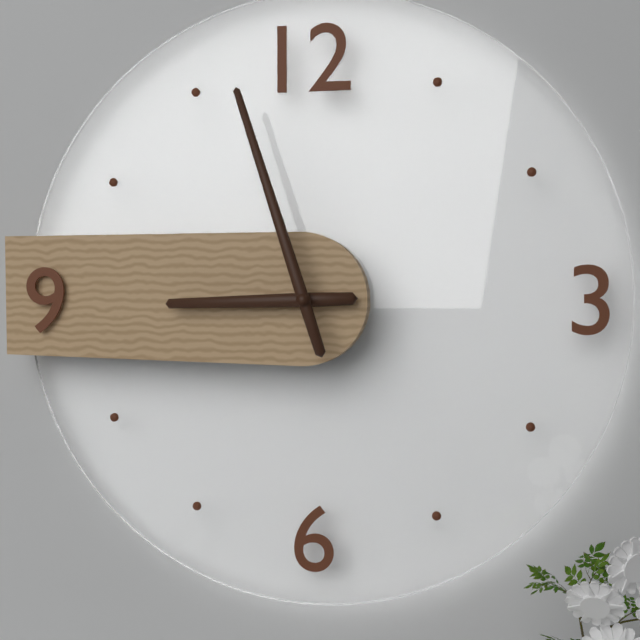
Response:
h=8 m=57
